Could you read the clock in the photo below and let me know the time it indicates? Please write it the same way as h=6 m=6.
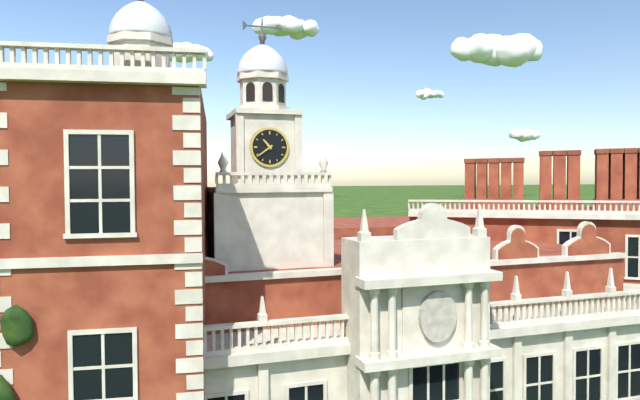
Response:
h=10 m=39
